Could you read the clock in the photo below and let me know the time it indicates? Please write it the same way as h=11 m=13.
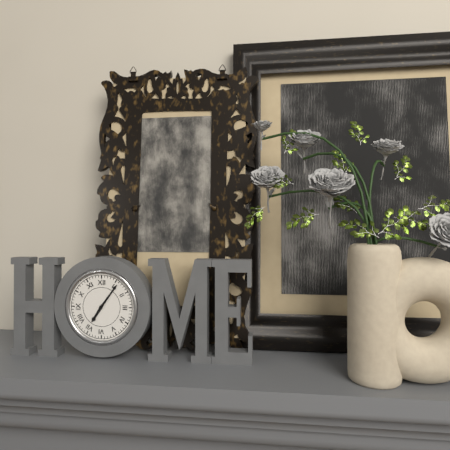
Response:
h=7 m=6
